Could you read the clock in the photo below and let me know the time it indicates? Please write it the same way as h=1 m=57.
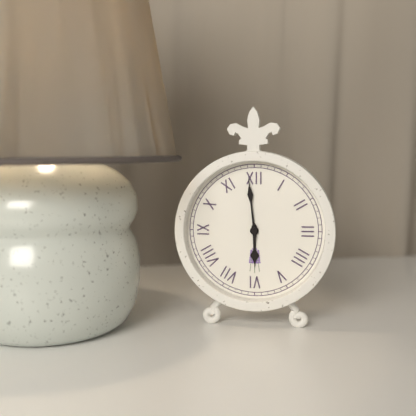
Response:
h=5 m=59
